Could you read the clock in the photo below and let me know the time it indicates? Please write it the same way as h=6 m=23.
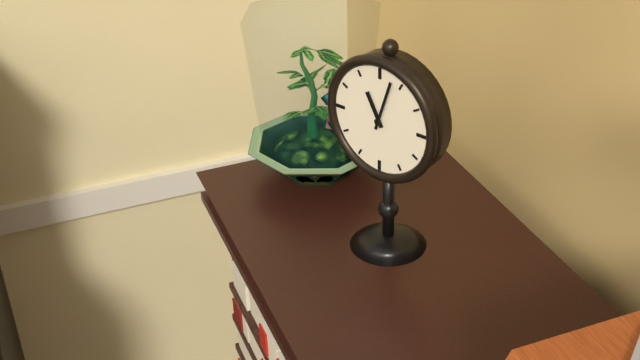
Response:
h=11 m=3
